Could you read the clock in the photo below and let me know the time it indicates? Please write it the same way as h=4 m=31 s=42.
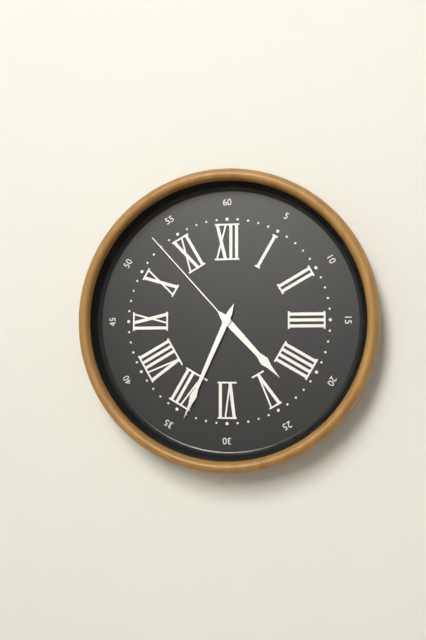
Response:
h=4 m=34 s=53
